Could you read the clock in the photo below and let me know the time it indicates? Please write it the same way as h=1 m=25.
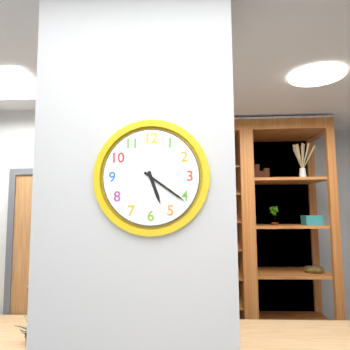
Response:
h=5 m=21
